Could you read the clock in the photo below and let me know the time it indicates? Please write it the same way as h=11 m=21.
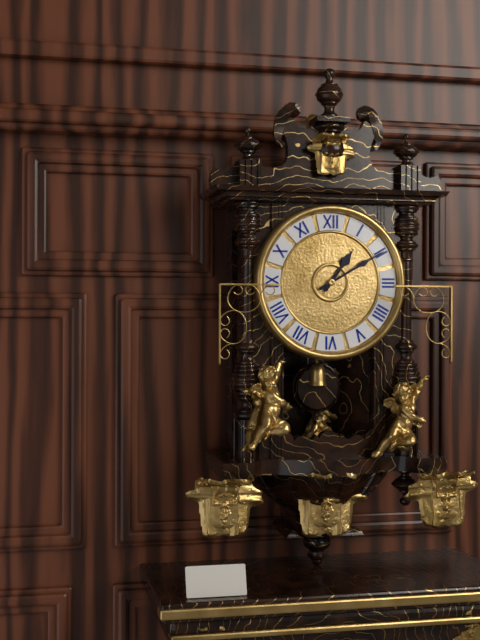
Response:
h=1 m=10
